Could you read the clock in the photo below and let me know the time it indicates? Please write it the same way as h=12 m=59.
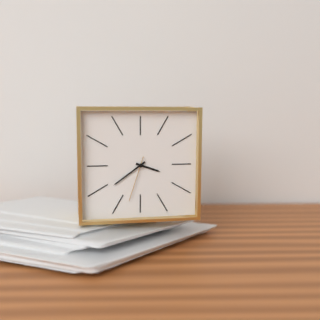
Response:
h=3 m=39
